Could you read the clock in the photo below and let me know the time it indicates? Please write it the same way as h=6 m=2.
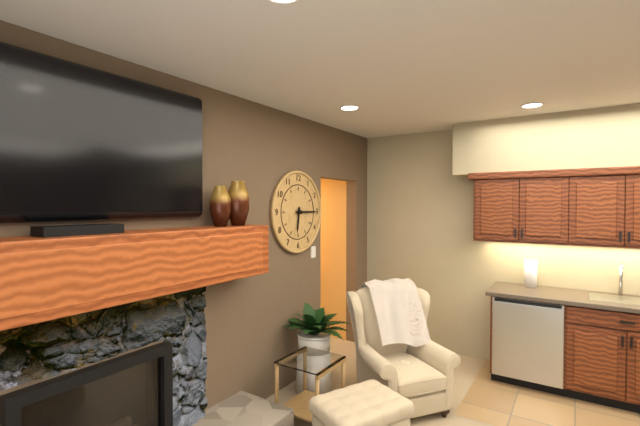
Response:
h=6 m=15
